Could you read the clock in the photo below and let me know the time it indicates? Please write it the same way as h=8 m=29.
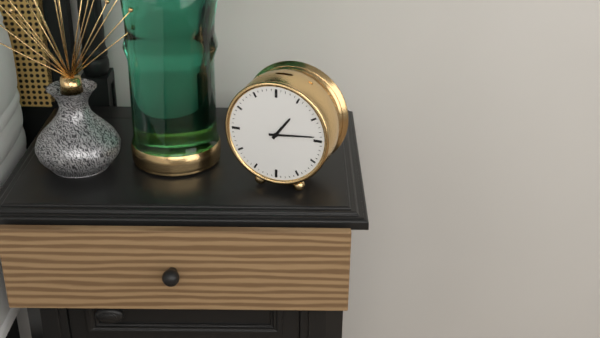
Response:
h=1 m=14
